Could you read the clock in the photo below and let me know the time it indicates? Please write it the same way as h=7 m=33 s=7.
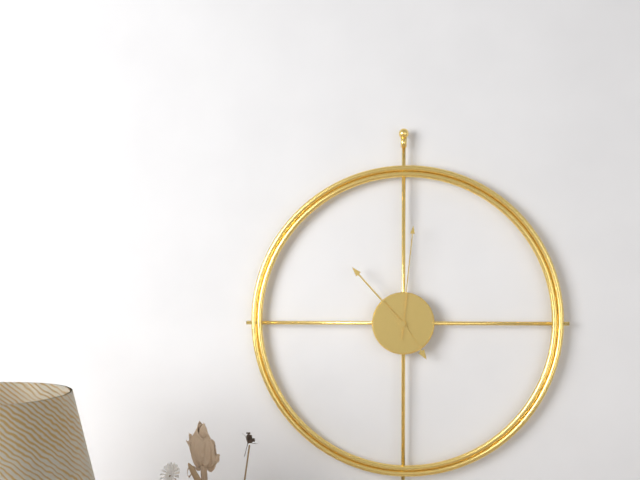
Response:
h=4 m=53 s=1
